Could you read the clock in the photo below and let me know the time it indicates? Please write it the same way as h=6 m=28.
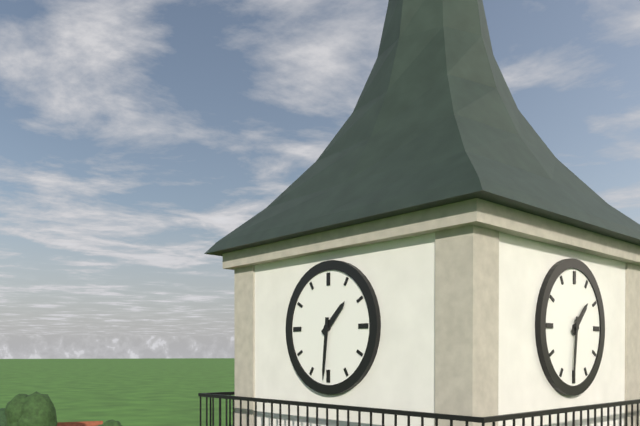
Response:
h=1 m=31
